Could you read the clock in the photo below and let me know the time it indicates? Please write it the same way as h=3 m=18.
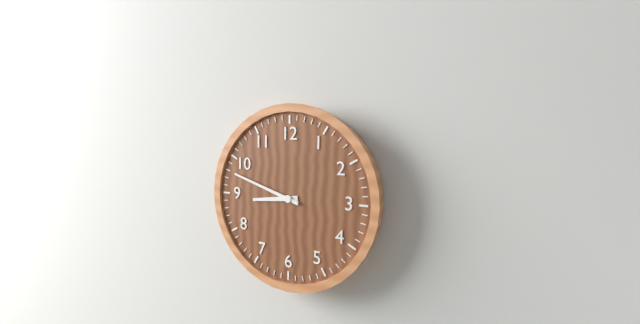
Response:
h=8 m=48
